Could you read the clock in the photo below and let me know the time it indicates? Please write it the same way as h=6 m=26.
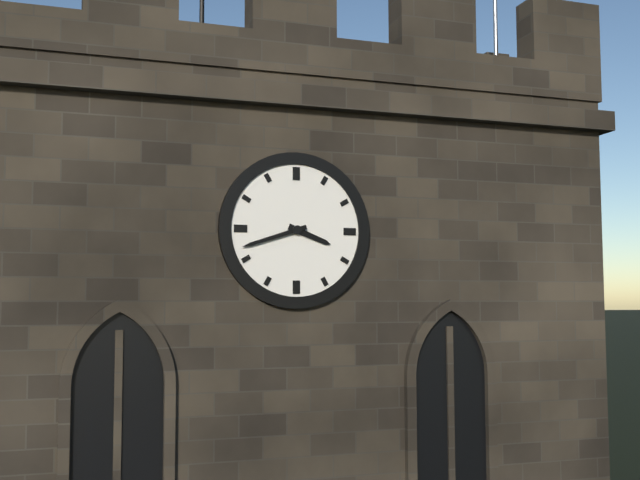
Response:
h=3 m=42
